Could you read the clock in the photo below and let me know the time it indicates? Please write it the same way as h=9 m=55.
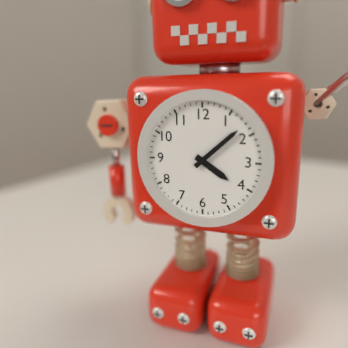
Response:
h=4 m=8
